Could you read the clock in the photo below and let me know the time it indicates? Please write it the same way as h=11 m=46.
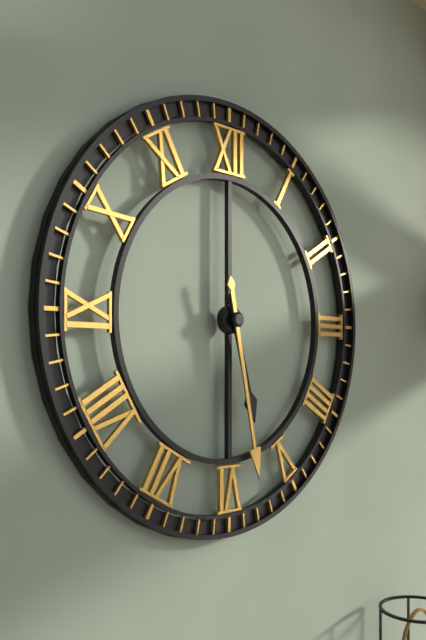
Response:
h=5 m=28
